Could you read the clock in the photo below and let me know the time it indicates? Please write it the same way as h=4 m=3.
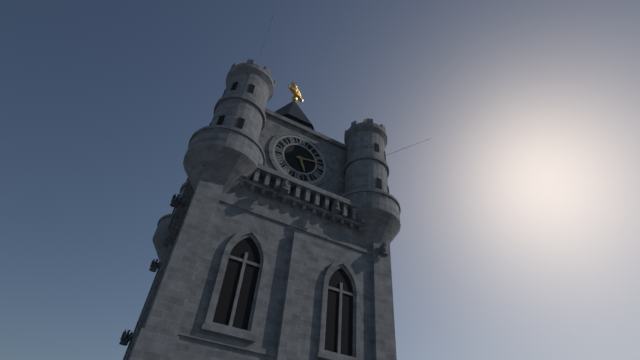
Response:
h=5 m=13
